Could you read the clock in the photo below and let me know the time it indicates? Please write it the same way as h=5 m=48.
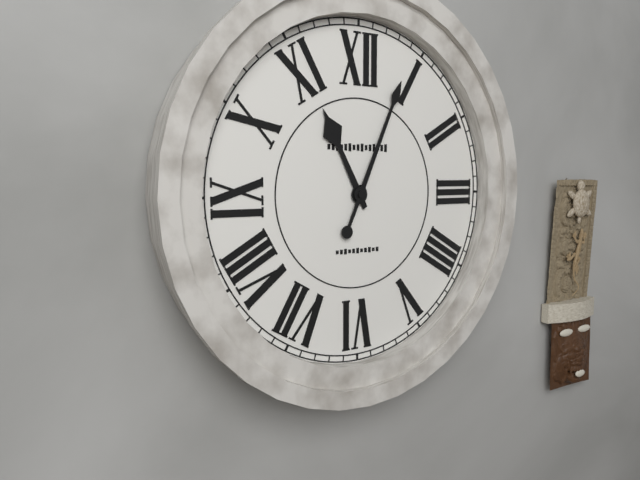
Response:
h=11 m=4
